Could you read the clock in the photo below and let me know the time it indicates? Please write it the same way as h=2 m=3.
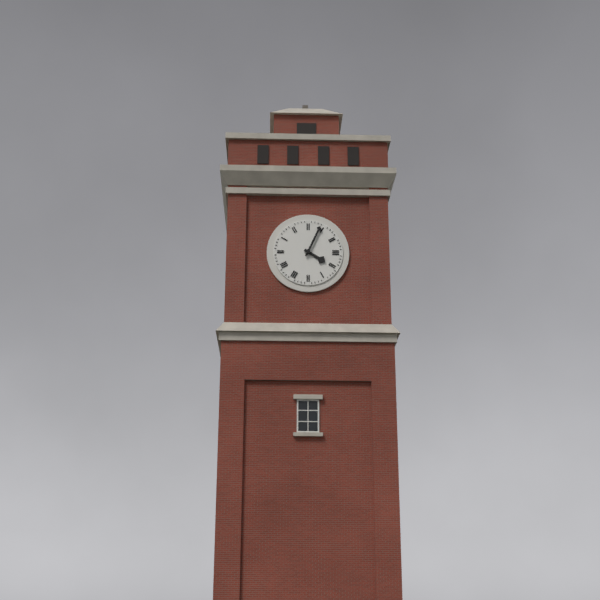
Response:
h=4 m=4
